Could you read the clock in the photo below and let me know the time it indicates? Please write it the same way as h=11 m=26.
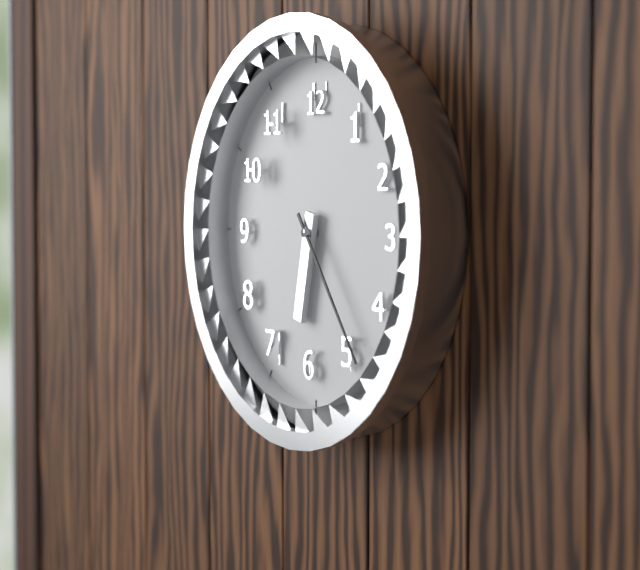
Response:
h=6 m=24
